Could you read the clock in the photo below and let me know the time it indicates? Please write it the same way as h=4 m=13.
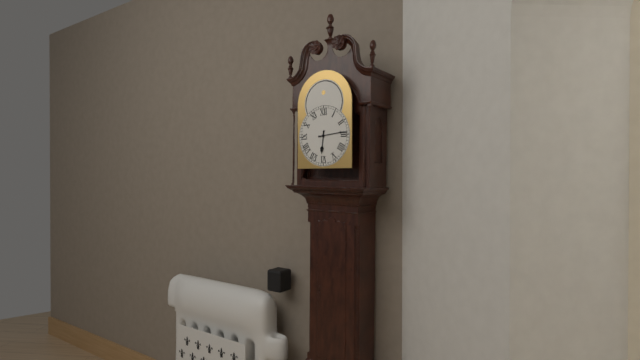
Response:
h=6 m=14
